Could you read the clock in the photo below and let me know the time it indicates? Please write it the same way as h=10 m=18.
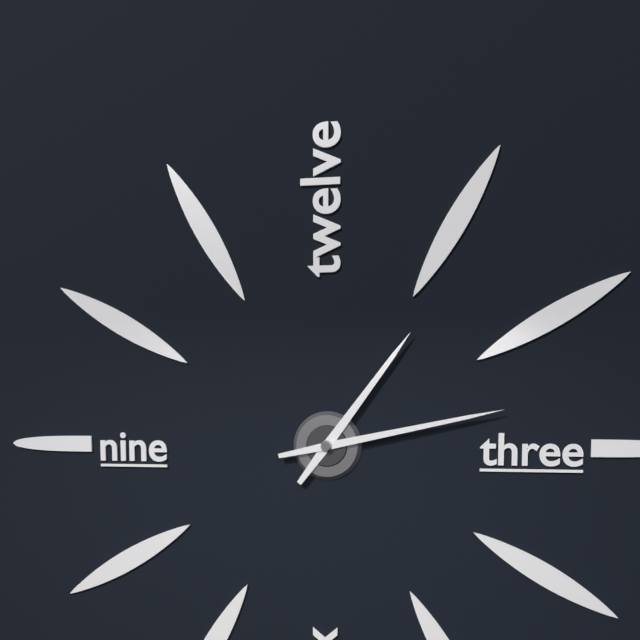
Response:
h=1 m=13
